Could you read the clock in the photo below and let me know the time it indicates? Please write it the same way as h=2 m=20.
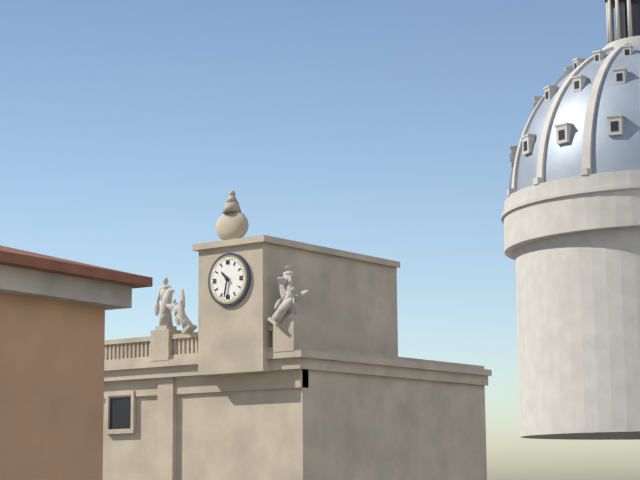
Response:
h=10 m=32
